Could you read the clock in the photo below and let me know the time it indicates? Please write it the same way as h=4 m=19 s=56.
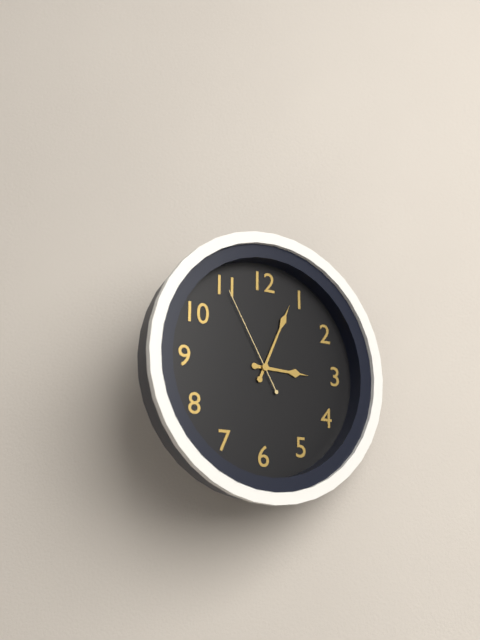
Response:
h=3 m=4 s=55
